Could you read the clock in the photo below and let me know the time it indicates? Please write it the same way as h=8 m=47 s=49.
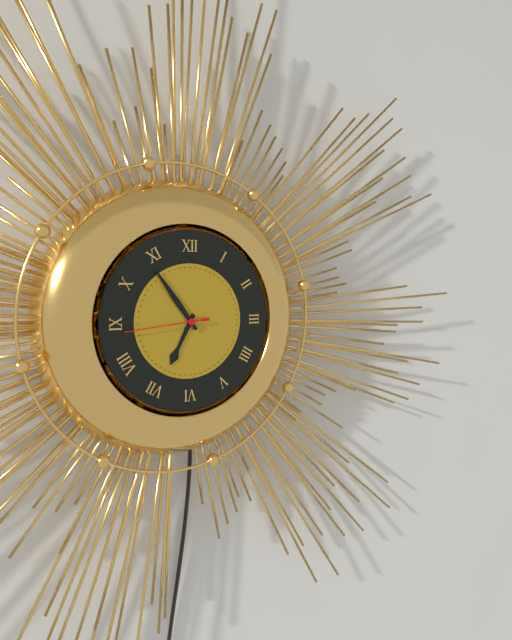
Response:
h=6 m=54 s=44
